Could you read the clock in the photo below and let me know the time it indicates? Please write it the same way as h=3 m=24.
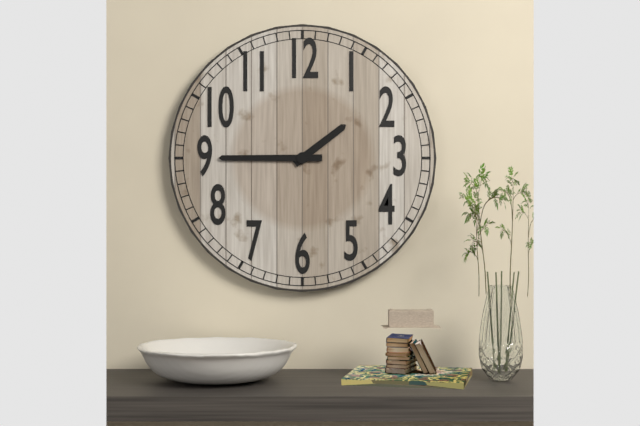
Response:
h=1 m=45
